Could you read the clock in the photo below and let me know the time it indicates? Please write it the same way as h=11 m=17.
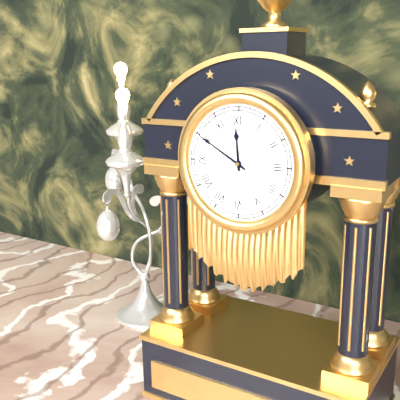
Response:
h=11 m=50
